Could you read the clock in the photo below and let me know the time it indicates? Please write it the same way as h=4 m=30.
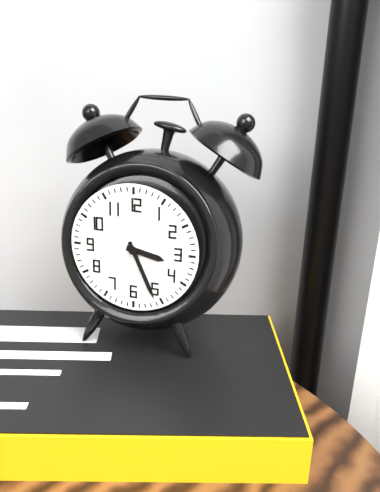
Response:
h=3 m=26
